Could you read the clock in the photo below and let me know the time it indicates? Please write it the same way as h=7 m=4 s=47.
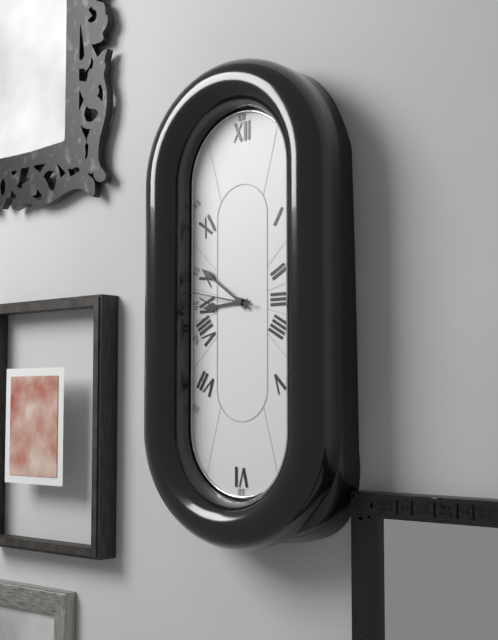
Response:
h=8 m=51 s=47
